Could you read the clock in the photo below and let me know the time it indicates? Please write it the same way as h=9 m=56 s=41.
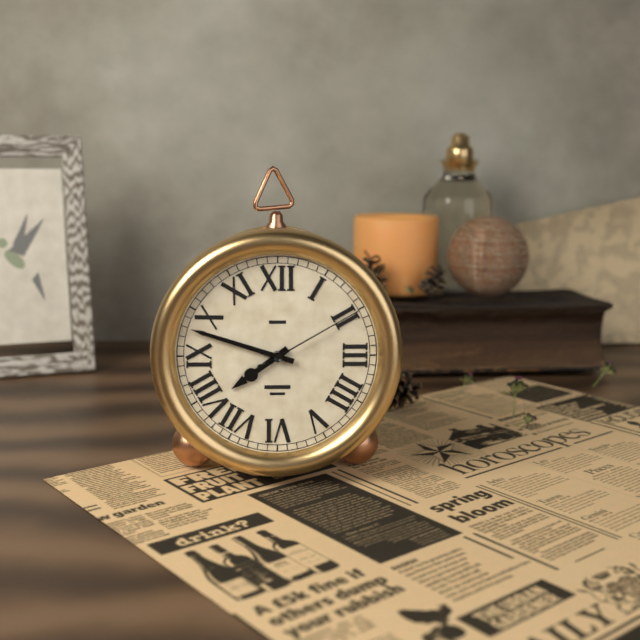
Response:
h=7 m=48 s=10
